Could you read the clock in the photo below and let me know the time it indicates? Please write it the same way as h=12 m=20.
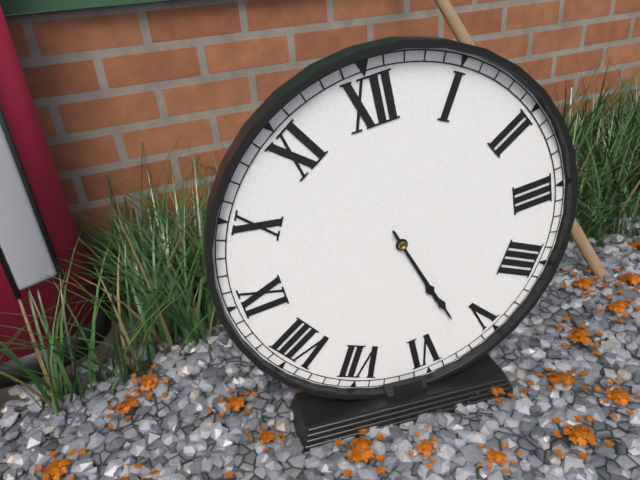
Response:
h=5 m=27
